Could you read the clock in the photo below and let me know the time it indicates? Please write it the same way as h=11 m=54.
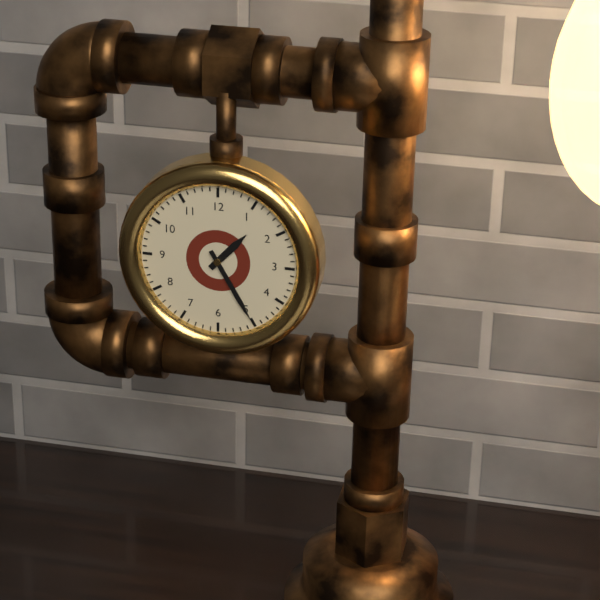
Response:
h=1 m=25
